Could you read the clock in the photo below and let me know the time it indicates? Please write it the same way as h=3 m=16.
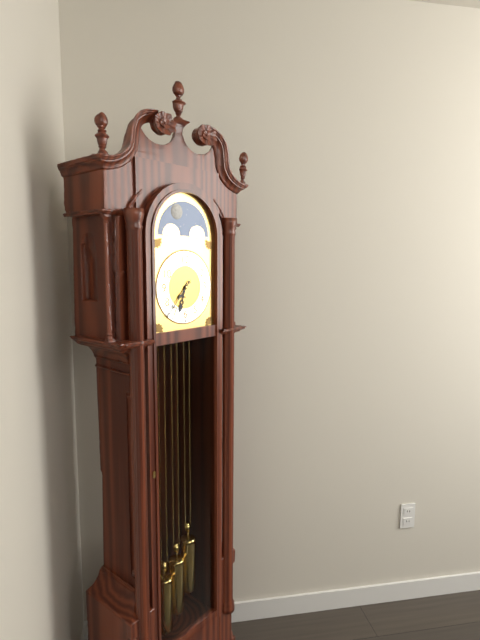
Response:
h=6 m=37
